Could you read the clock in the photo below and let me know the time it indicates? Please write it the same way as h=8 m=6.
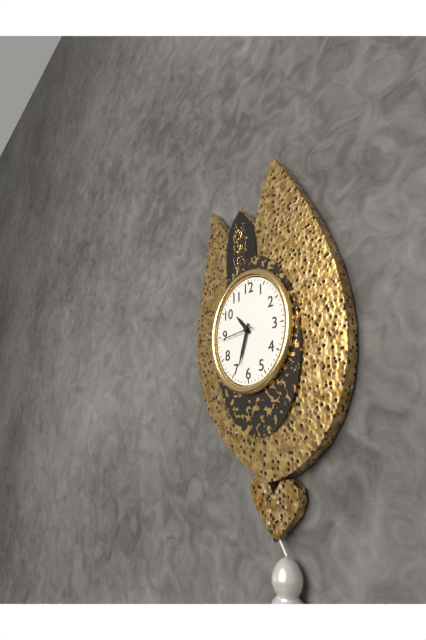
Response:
h=10 m=33
